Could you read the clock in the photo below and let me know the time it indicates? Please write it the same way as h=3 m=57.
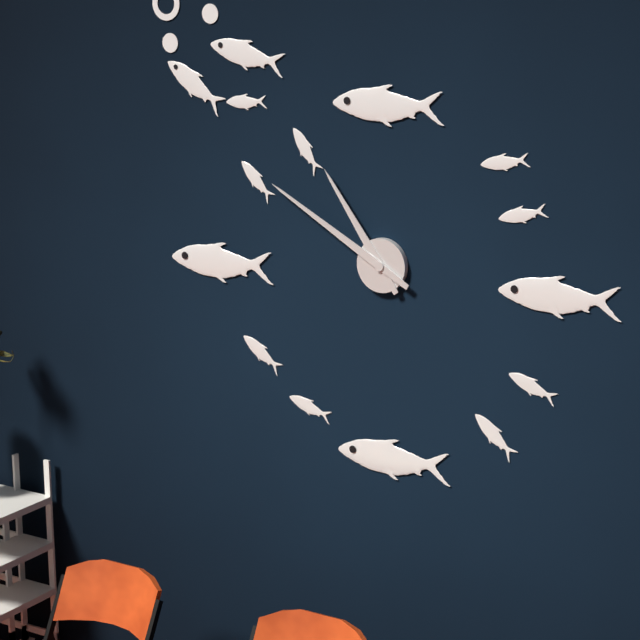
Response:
h=10 m=50
